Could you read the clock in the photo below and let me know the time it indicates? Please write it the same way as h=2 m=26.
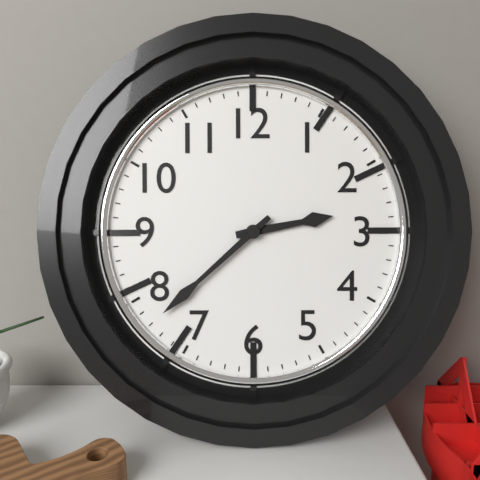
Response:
h=2 m=38
